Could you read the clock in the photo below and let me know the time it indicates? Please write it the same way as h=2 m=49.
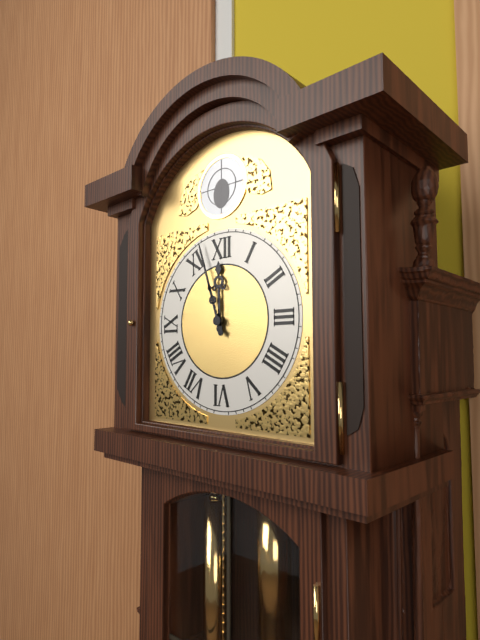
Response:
h=11 m=57
